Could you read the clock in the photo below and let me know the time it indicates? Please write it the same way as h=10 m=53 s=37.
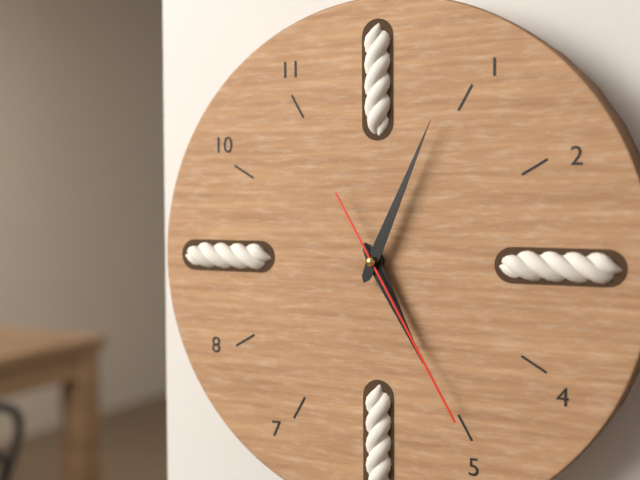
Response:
h=5 m=4 s=25
